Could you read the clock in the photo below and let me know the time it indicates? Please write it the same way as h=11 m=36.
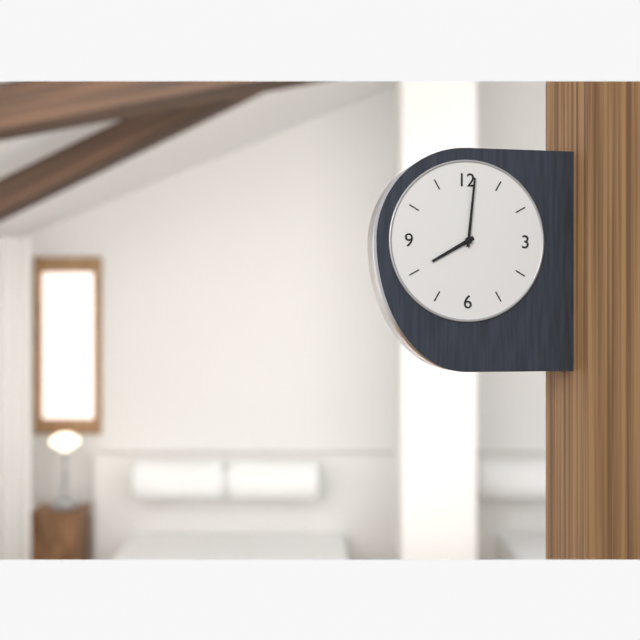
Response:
h=8 m=1
